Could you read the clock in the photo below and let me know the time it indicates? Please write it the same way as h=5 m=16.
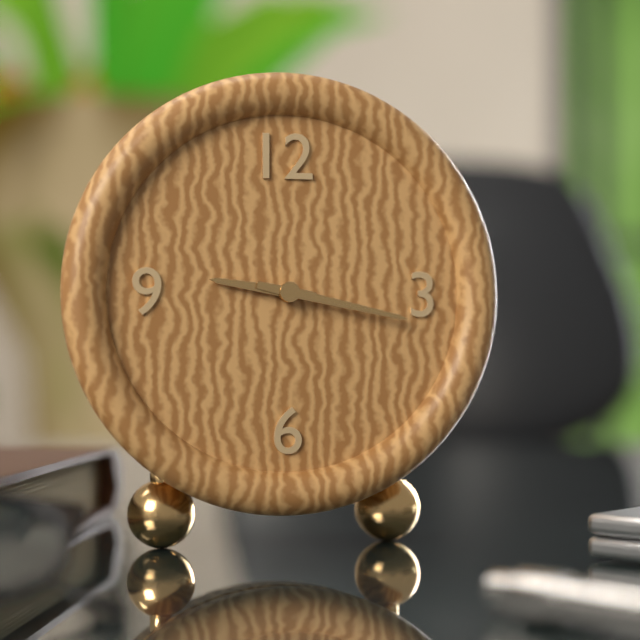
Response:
h=9 m=17
